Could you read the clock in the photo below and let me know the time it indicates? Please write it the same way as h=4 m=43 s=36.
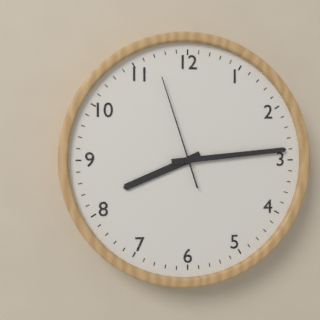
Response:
h=8 m=14 s=57
